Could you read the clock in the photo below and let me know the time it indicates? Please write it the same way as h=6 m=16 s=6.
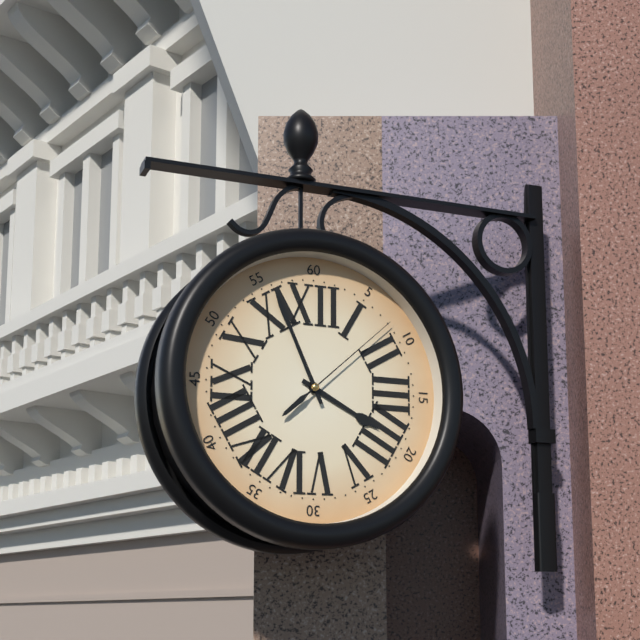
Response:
h=3 m=56 s=8
